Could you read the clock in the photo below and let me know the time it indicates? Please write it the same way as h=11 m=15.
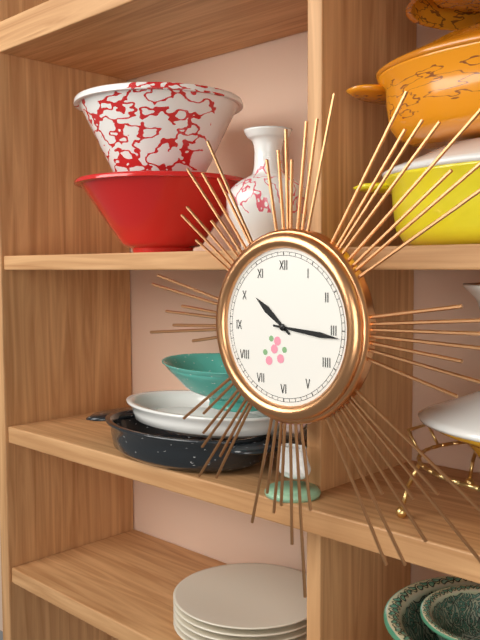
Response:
h=10 m=16
